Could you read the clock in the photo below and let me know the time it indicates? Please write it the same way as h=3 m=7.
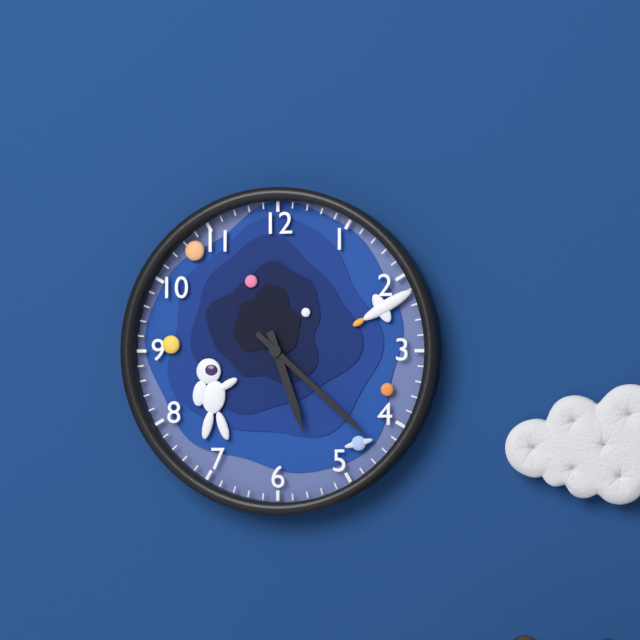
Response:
h=5 m=22
